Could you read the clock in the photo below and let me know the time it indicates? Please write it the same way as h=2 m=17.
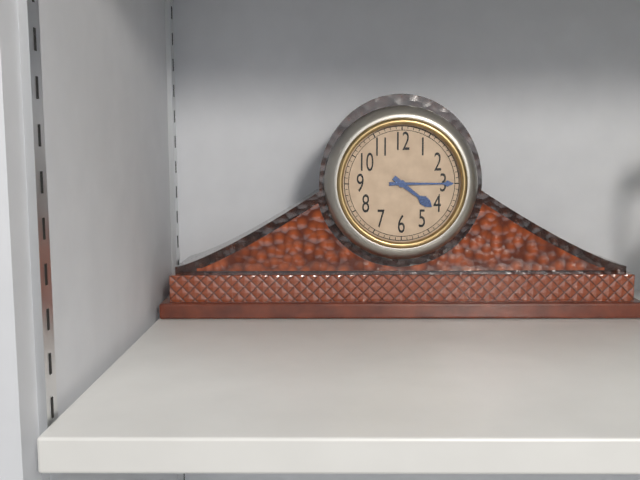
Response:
h=4 m=15
